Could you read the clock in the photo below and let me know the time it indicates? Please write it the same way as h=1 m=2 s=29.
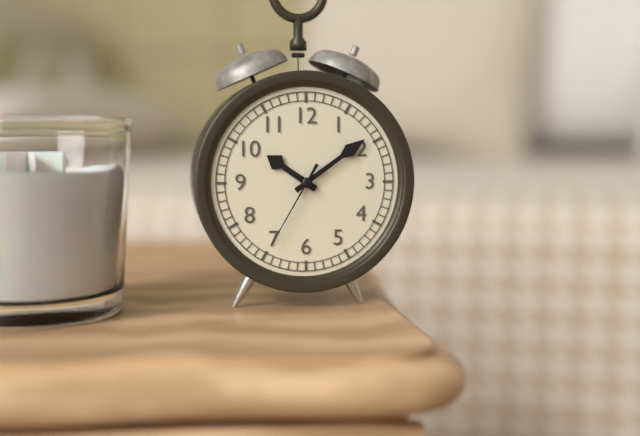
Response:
h=10 m=9 s=35
